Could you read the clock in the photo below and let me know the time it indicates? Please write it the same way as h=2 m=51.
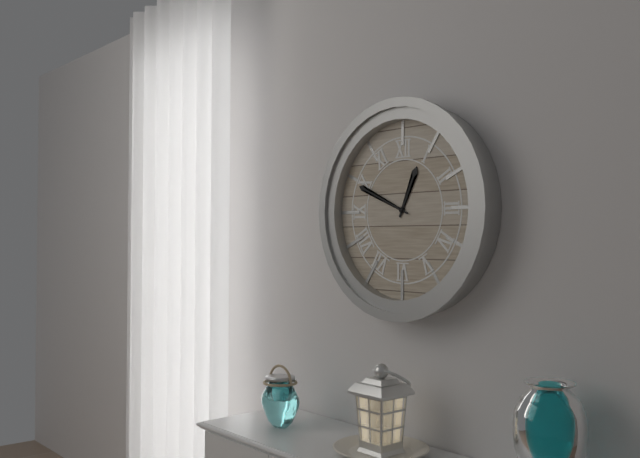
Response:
h=12 m=49
